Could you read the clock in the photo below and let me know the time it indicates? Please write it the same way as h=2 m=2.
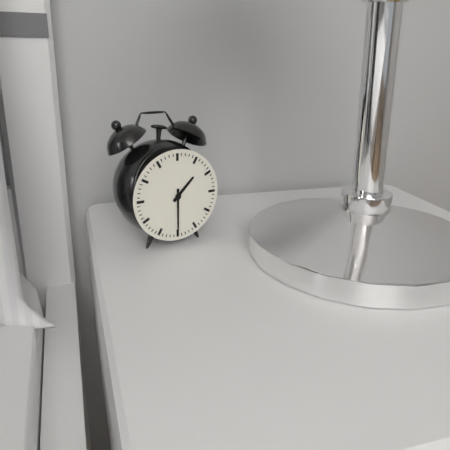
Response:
h=1 m=30
